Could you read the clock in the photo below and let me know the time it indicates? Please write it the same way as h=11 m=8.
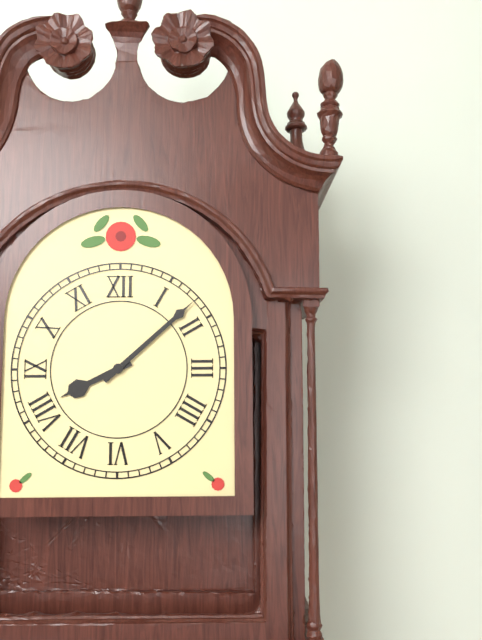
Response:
h=8 m=8
